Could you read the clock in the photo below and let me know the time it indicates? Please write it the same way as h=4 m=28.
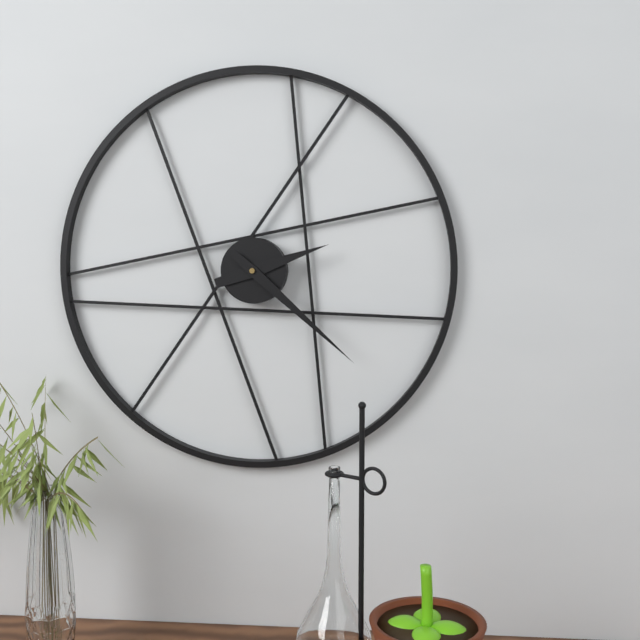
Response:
h=2 m=22
